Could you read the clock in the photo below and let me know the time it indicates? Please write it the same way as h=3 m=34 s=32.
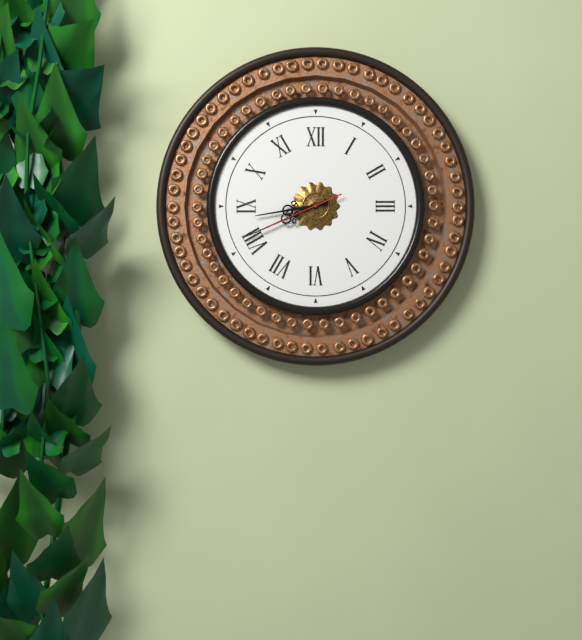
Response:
h=8 m=41 s=41
